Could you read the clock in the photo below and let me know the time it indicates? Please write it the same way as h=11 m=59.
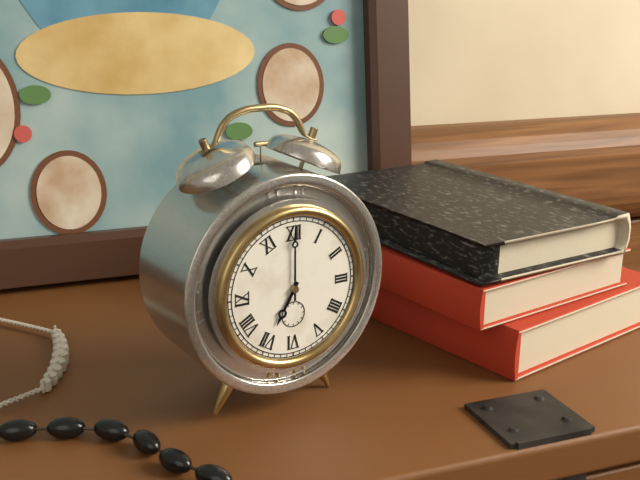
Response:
h=7 m=0
